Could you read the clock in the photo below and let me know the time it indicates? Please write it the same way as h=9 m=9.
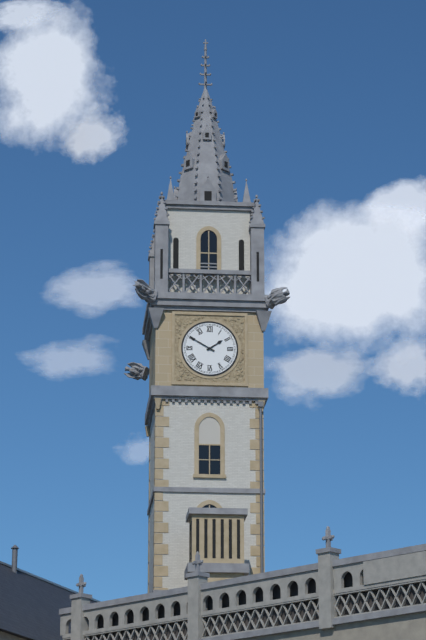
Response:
h=1 m=50
